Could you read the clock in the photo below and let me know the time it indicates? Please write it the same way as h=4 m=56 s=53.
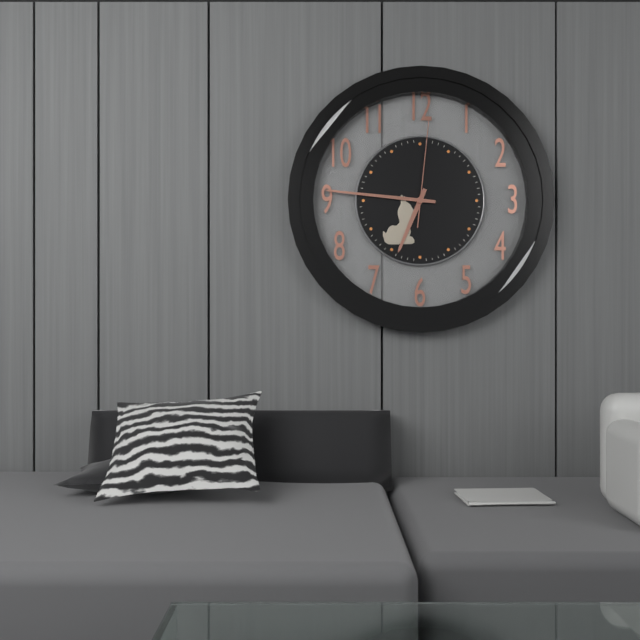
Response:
h=6 m=46 s=1
